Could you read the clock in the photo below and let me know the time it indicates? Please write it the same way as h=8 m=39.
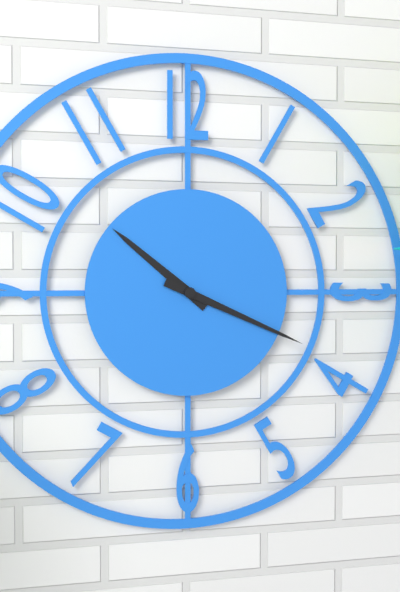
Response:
h=10 m=19
